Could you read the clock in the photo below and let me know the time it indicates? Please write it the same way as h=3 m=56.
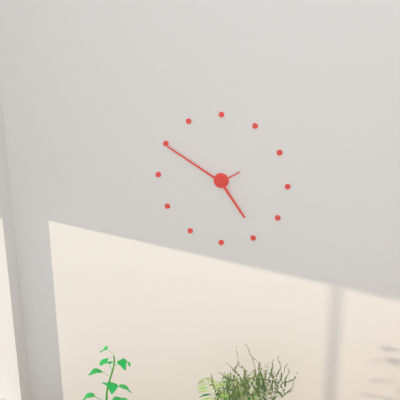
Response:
h=4 m=50
